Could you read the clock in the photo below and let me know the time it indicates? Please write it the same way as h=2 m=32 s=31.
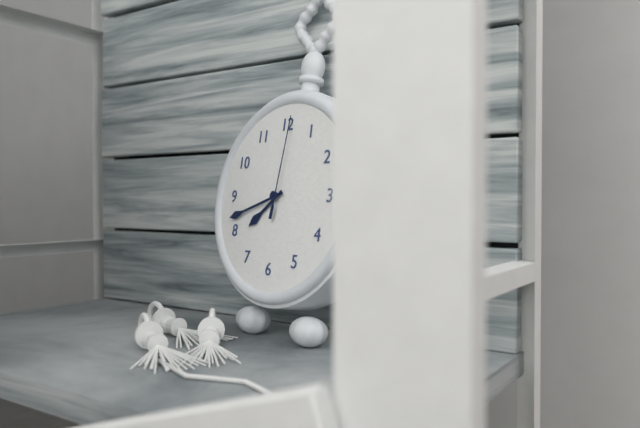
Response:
h=7 m=42 s=1
